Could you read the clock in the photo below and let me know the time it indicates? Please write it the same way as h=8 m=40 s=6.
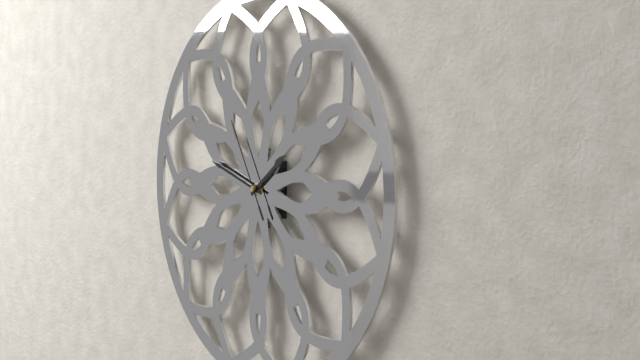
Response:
h=1 m=48 s=55
